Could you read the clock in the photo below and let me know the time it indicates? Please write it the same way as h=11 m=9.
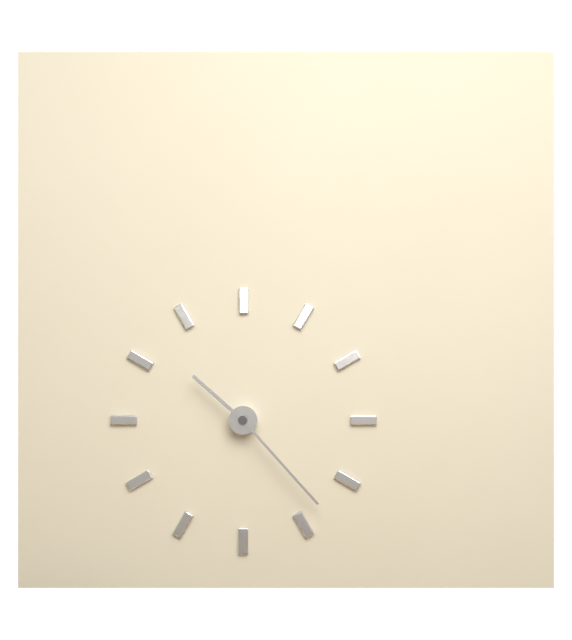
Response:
h=10 m=23
